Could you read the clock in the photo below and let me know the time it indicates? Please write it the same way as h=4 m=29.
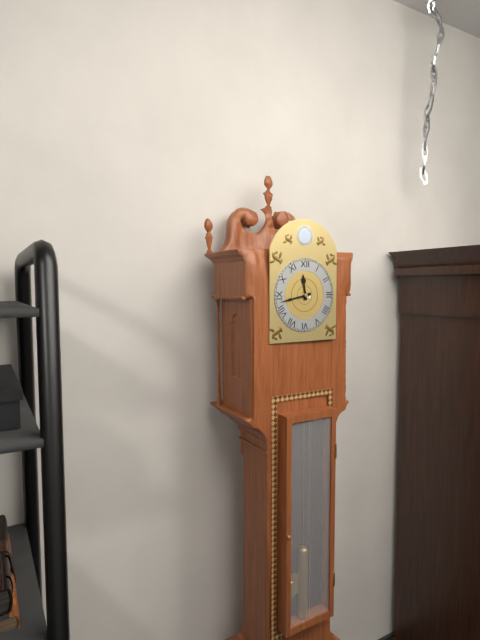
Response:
h=11 m=43
